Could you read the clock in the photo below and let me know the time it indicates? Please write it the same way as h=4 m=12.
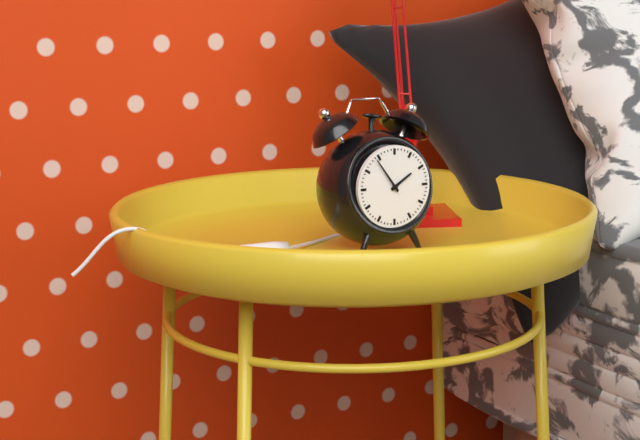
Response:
h=1 m=54
